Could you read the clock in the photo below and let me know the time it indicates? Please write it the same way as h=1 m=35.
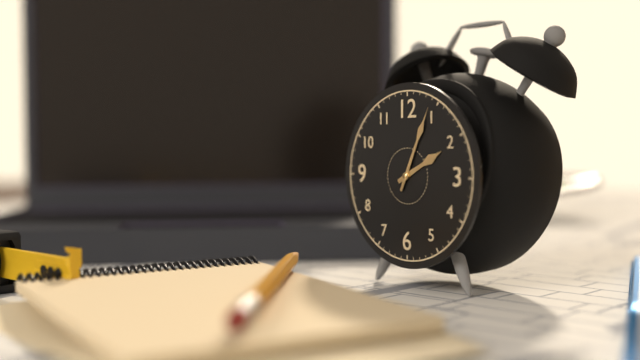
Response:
h=2 m=4
